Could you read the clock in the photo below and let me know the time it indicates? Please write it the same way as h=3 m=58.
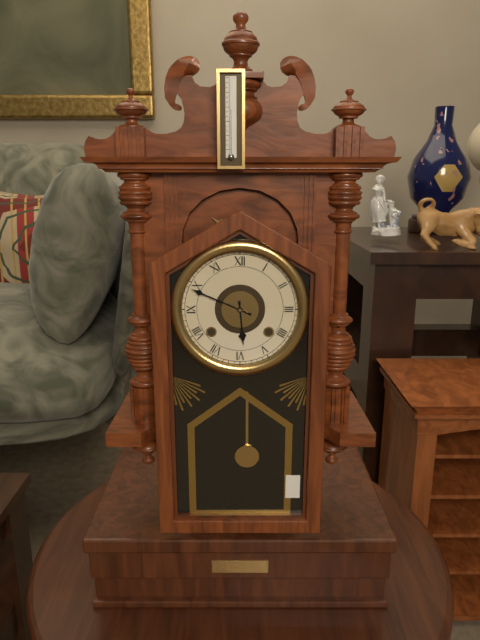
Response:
h=5 m=49
